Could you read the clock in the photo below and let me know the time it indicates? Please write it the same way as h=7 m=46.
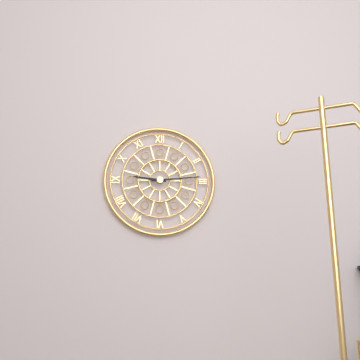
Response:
h=9 m=14
